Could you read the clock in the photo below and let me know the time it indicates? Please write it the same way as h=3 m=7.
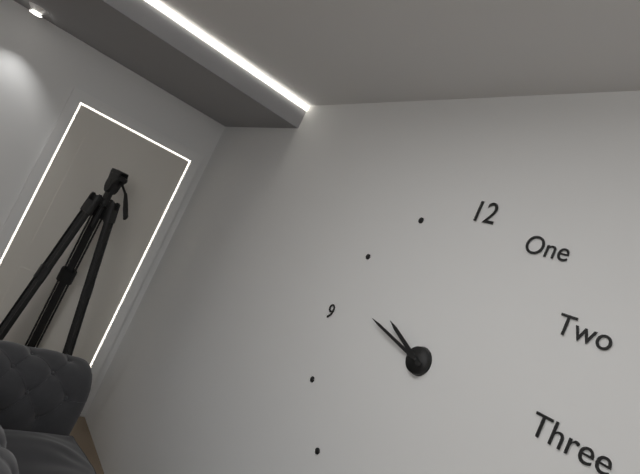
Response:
h=9 m=47
